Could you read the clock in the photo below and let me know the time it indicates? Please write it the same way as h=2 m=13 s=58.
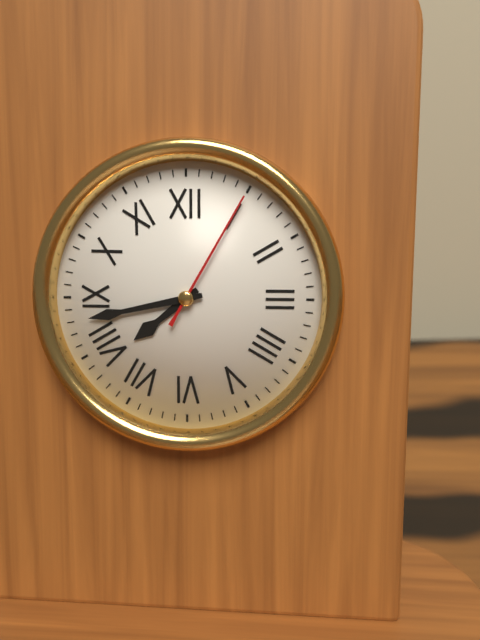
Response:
h=7 m=43 s=5
